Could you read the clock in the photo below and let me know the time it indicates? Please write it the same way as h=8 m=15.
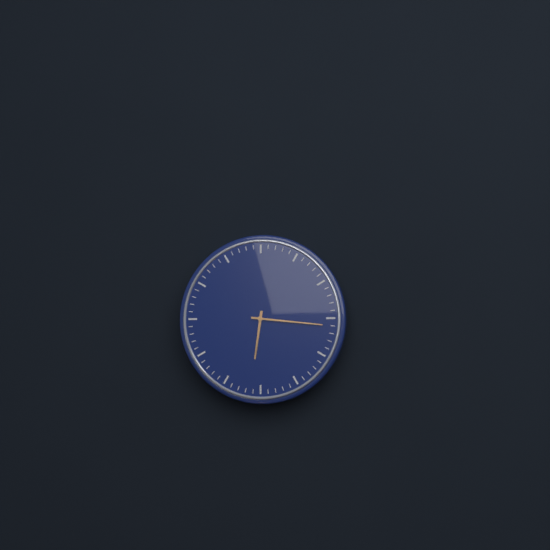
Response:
h=6 m=16
